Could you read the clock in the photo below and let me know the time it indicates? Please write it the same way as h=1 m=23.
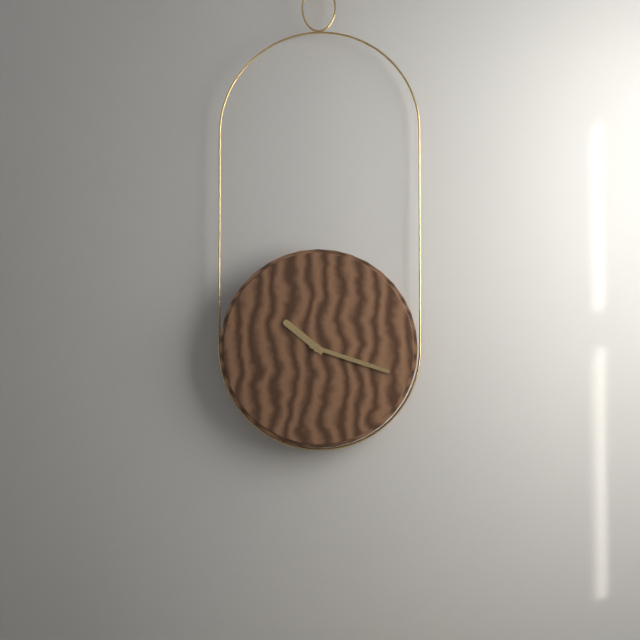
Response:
h=10 m=18
